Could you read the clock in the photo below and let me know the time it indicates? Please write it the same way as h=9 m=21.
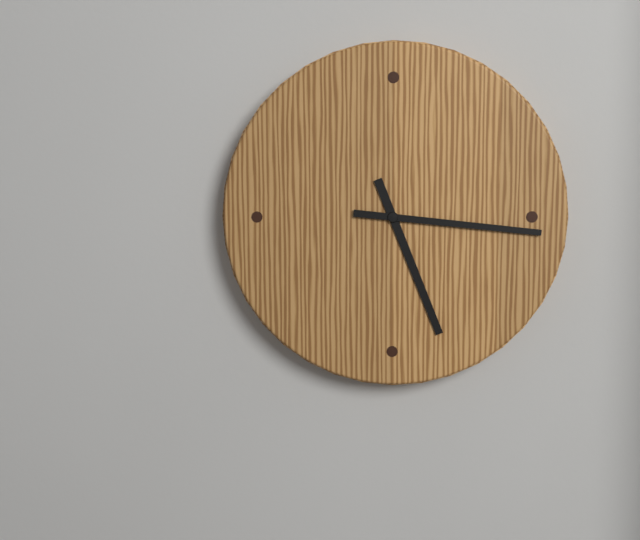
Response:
h=5 m=16
